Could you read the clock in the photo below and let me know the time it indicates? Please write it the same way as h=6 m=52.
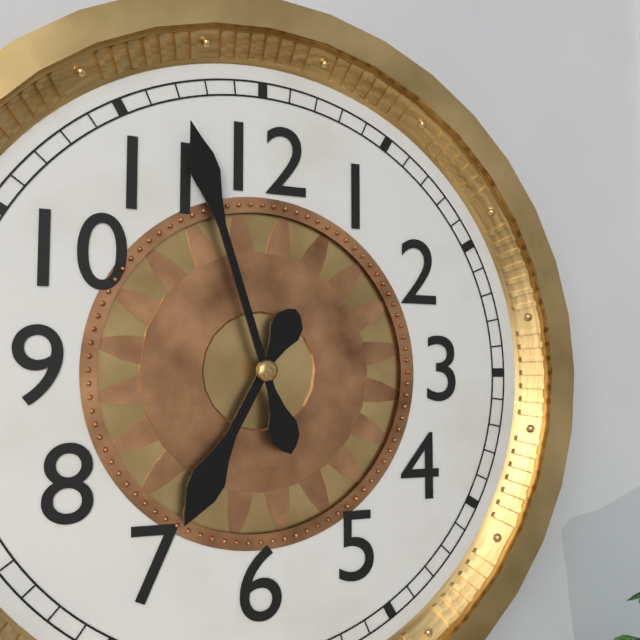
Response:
h=6 m=57
